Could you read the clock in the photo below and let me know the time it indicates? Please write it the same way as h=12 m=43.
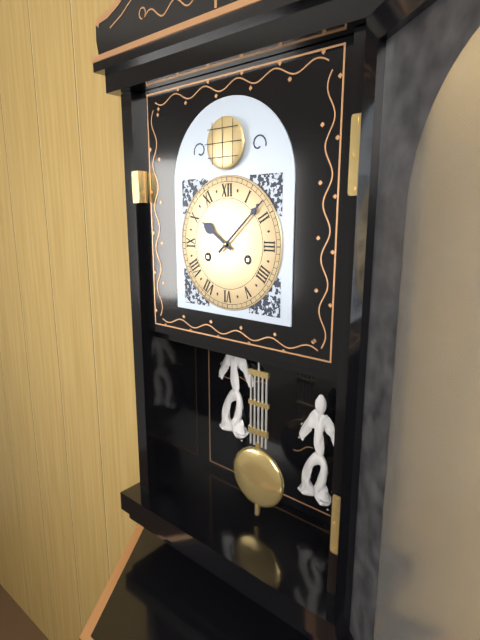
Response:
h=10 m=8
